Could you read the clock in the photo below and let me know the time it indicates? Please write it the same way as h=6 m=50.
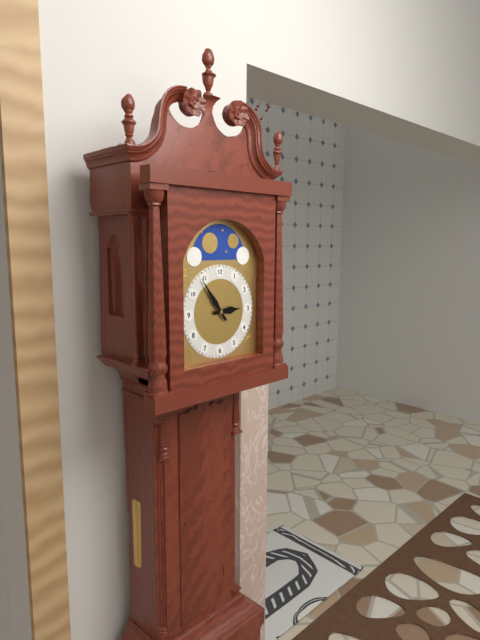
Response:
h=2 m=54
